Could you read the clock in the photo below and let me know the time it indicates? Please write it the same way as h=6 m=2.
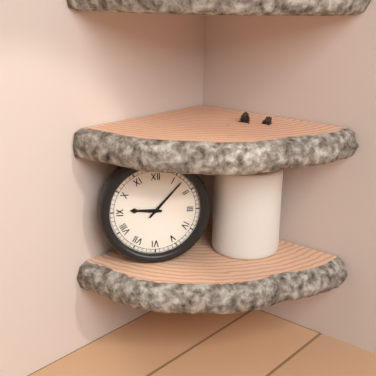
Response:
h=9 m=7
